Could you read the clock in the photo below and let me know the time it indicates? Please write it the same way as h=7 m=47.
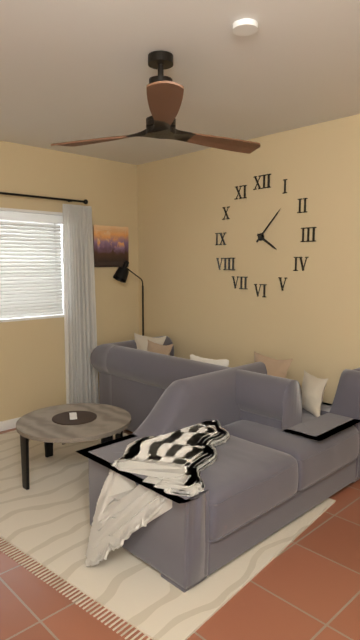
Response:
h=4 m=7
